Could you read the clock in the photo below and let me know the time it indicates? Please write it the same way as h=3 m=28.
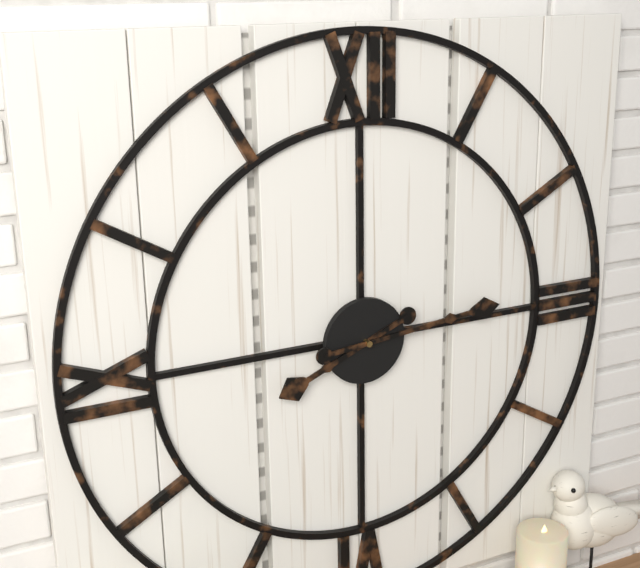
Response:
h=8 m=14
